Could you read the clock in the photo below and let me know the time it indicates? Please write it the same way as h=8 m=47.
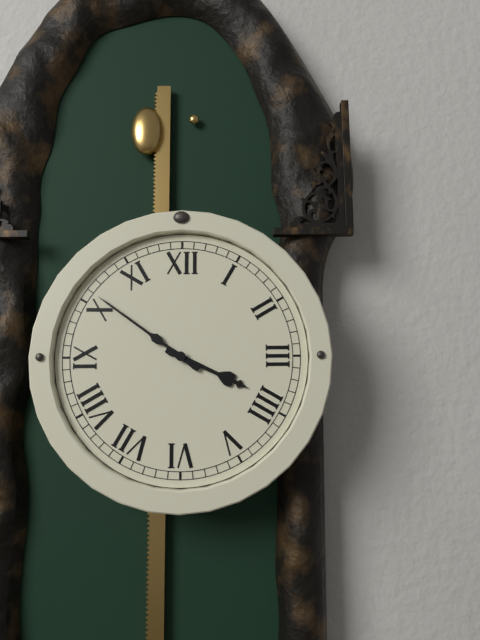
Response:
h=3 m=51
